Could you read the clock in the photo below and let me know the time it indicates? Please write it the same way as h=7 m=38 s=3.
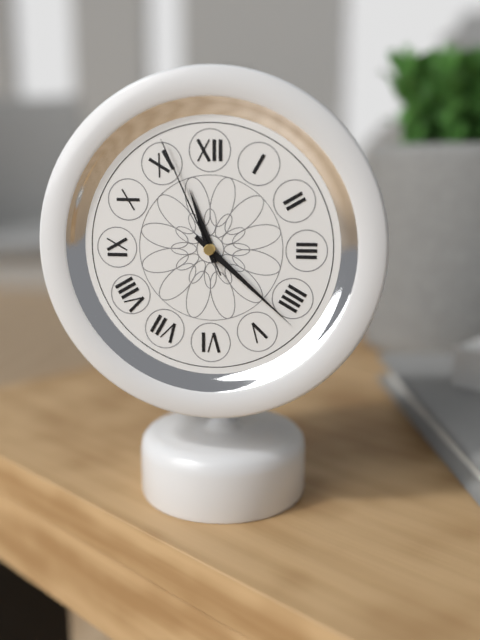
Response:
h=11 m=22 s=56
